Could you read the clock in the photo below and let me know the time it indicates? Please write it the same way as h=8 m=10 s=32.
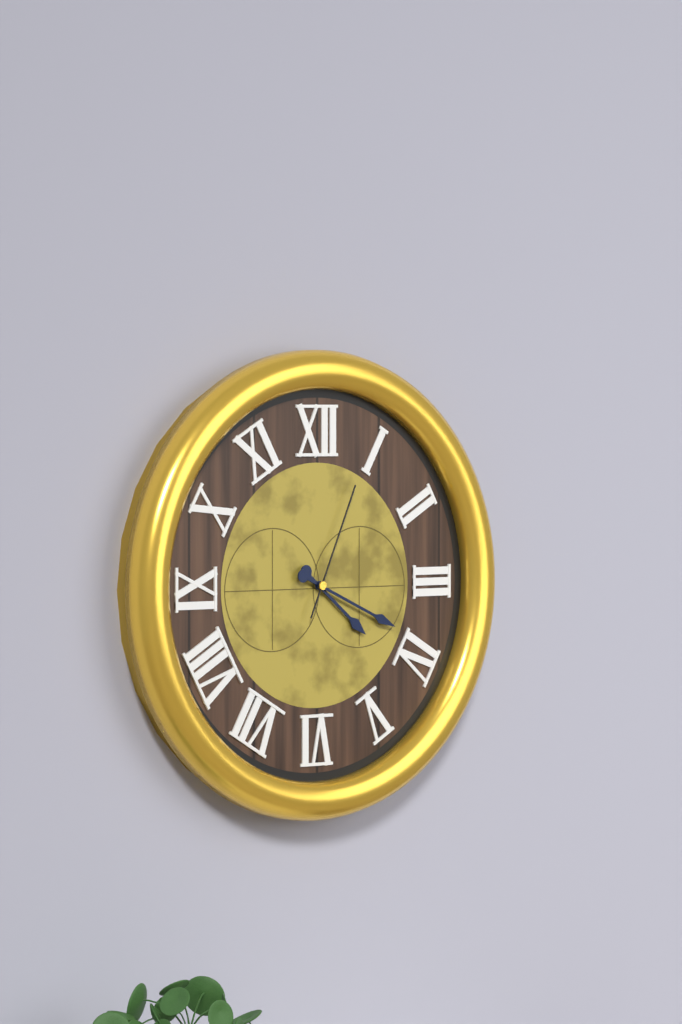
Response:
h=4 m=19 s=4
